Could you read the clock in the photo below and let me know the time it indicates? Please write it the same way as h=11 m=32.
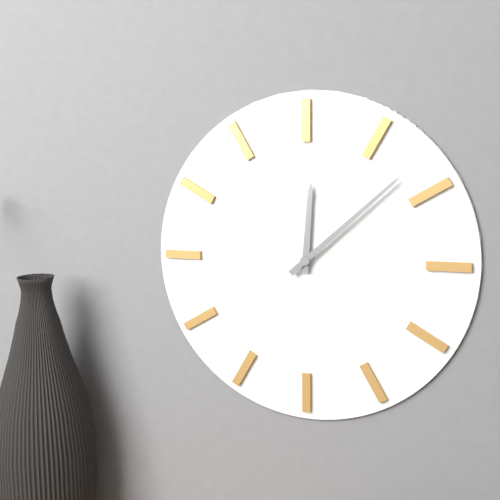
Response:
h=12 m=8
